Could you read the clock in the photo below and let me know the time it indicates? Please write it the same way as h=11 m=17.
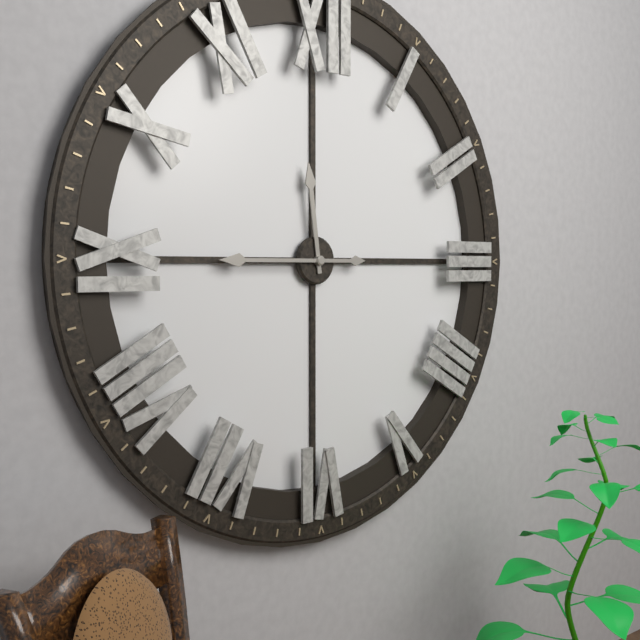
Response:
h=11 m=45
